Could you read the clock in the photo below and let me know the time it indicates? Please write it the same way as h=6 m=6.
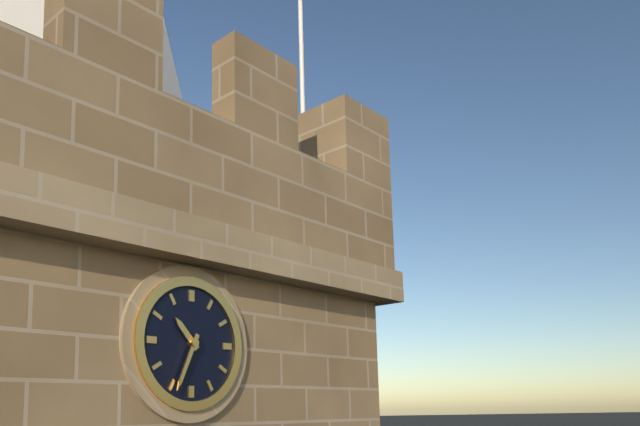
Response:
h=10 m=34
